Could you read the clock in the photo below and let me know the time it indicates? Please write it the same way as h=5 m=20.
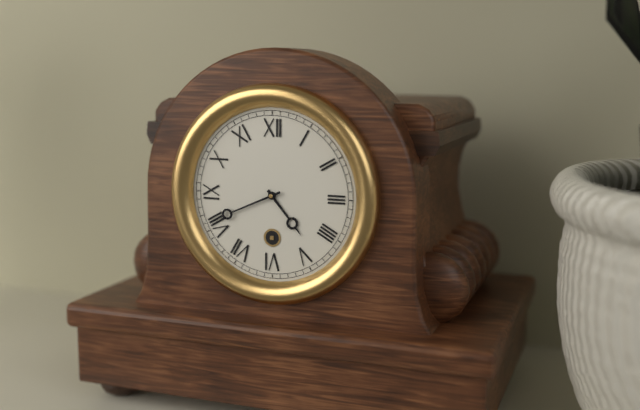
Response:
h=4 m=41
